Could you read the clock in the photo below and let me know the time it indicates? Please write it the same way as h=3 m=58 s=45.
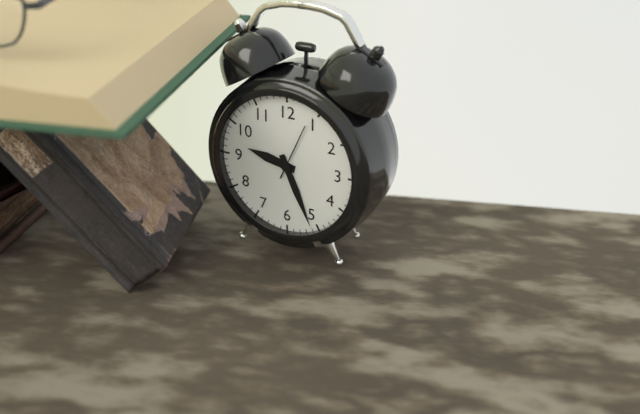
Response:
h=9 m=26 s=4
